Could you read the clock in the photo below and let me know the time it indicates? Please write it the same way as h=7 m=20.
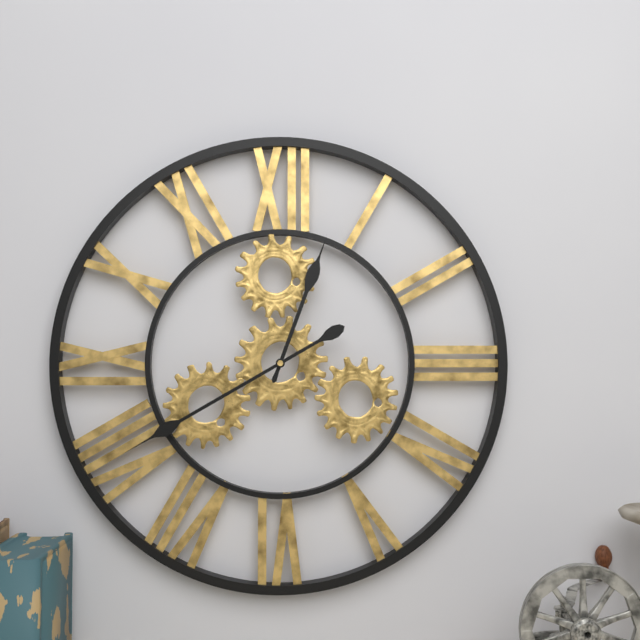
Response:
h=12 m=40
